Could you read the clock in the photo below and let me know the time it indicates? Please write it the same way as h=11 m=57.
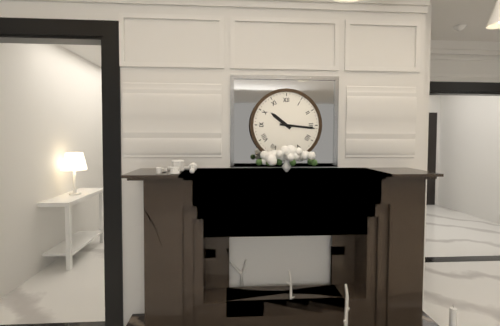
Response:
h=10 m=16
